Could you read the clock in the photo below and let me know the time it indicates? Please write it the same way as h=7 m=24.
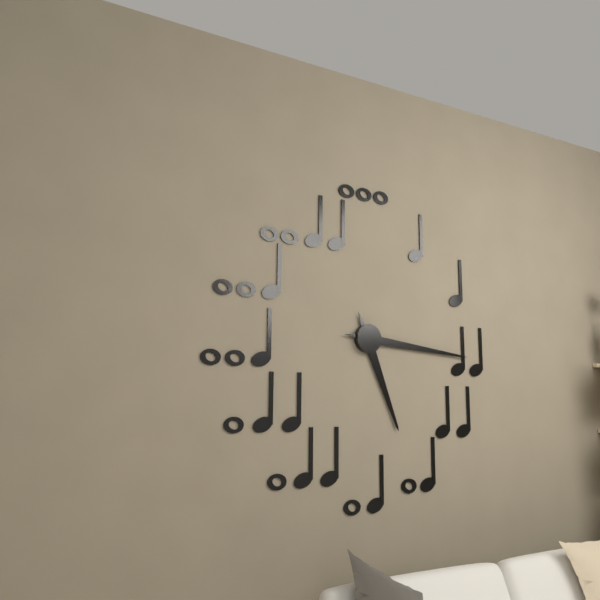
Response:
h=5 m=16
